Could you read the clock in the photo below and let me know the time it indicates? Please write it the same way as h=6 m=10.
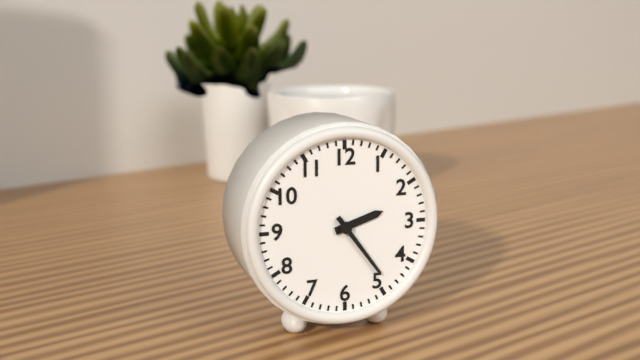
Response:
h=2 m=24
